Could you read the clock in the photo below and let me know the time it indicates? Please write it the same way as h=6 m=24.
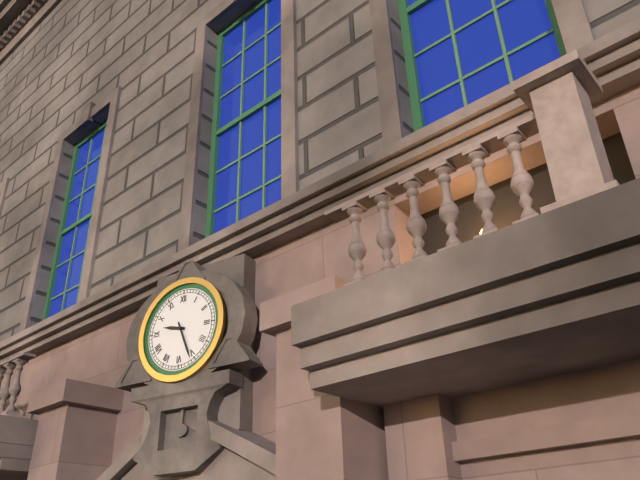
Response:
h=9 m=26
